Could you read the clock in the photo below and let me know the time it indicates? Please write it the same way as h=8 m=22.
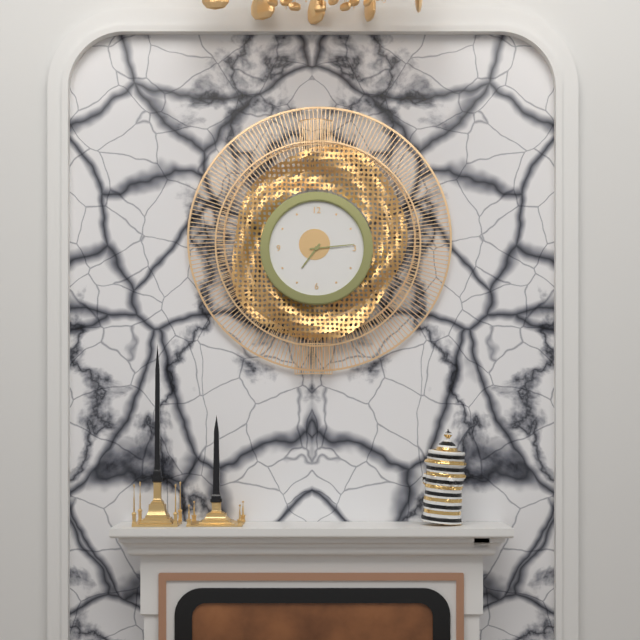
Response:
h=7 m=14
